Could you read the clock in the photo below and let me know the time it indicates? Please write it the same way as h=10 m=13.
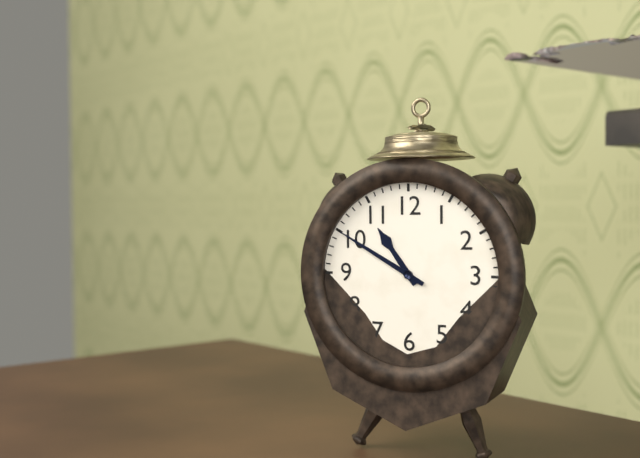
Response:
h=10 m=50
